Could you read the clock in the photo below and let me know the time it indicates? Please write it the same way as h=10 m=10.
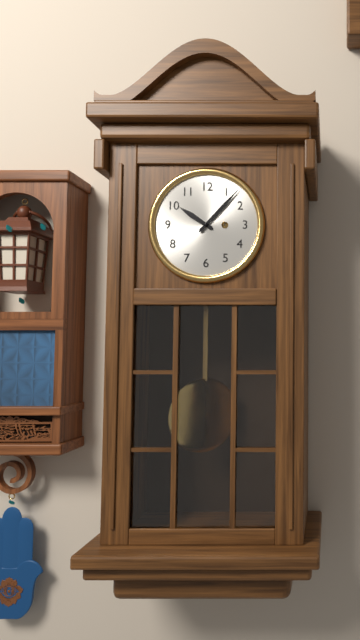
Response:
h=10 m=7
